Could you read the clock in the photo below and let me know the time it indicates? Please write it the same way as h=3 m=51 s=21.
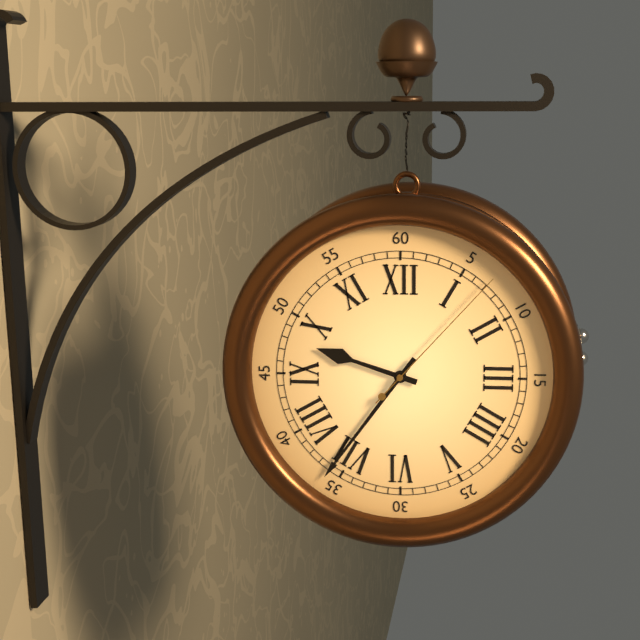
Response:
h=9 m=36 s=7
